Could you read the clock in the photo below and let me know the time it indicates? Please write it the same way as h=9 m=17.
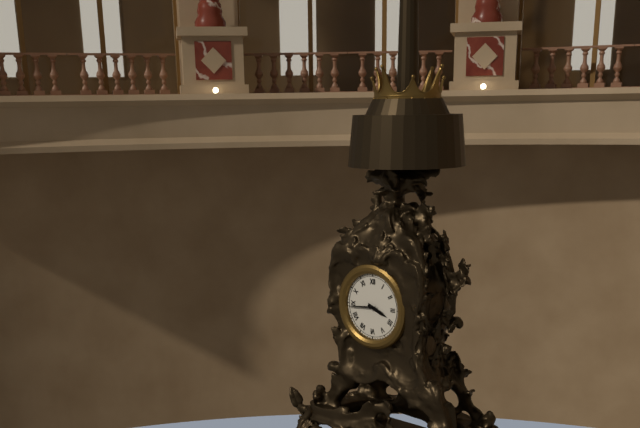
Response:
h=3 m=44
